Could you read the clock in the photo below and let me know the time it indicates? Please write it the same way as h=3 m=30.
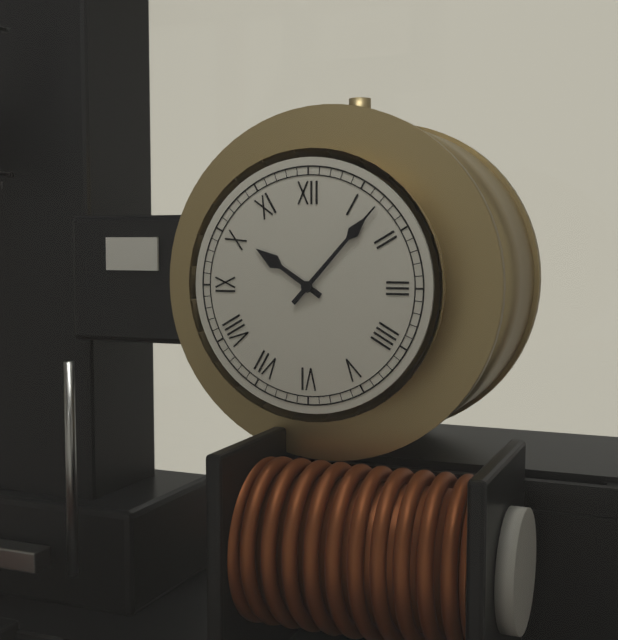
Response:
h=10 m=7
